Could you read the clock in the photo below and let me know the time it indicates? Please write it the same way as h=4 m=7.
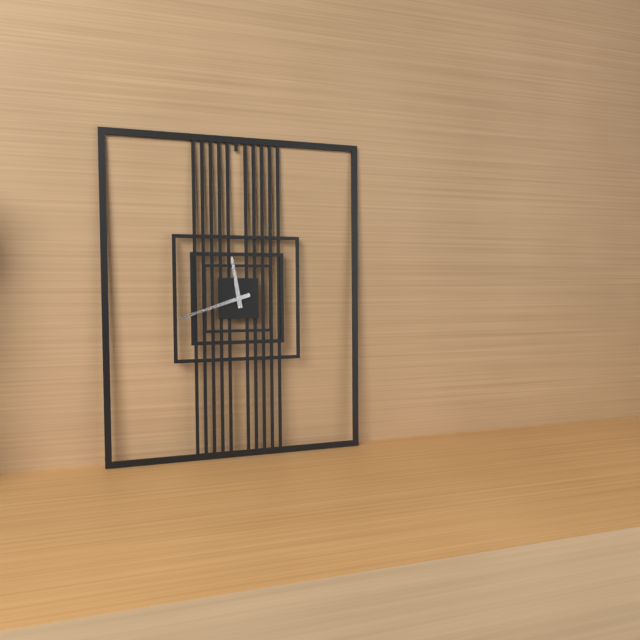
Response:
h=11 m=42
